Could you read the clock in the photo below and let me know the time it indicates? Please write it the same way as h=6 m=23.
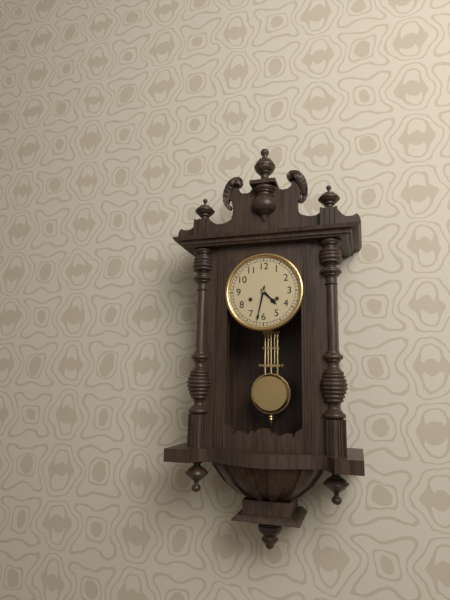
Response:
h=4 m=32
